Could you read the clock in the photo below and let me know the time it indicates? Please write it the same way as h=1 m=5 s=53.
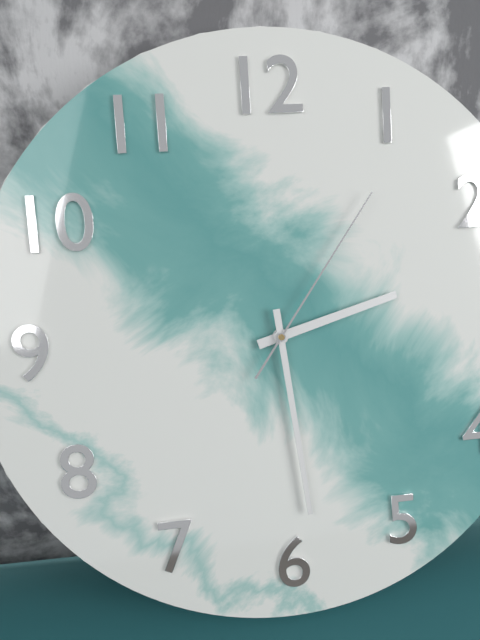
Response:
h=2 m=29 s=6
